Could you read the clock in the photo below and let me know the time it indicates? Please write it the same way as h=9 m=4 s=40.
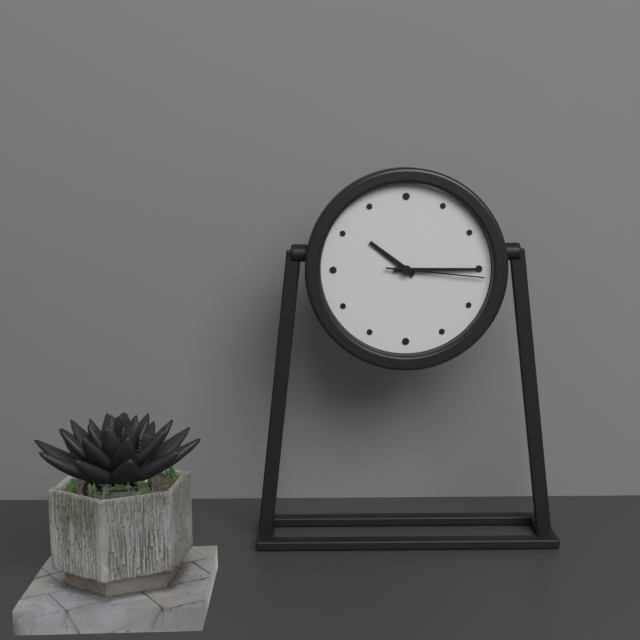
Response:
h=10 m=15 s=16
